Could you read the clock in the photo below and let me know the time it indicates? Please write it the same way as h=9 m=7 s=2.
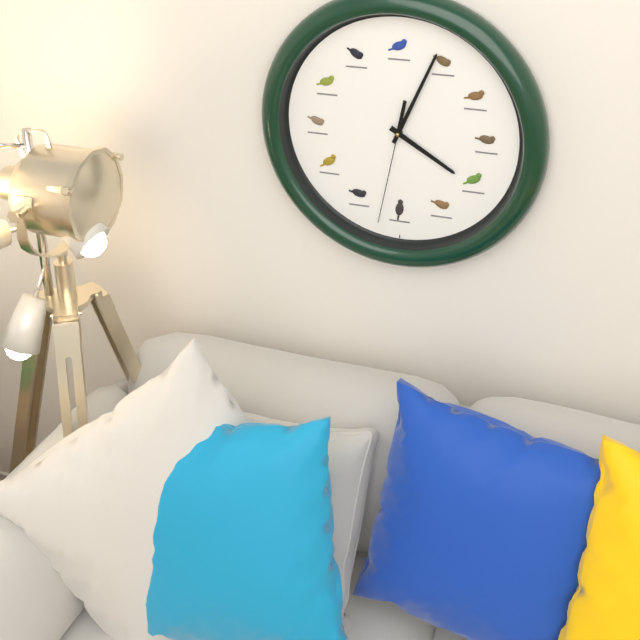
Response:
h=4 m=4 s=32
